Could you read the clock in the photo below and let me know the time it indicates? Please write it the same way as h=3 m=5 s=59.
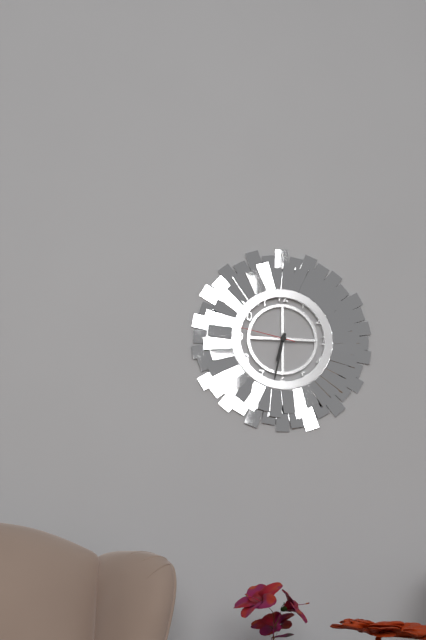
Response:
h=6 m=32 s=47
